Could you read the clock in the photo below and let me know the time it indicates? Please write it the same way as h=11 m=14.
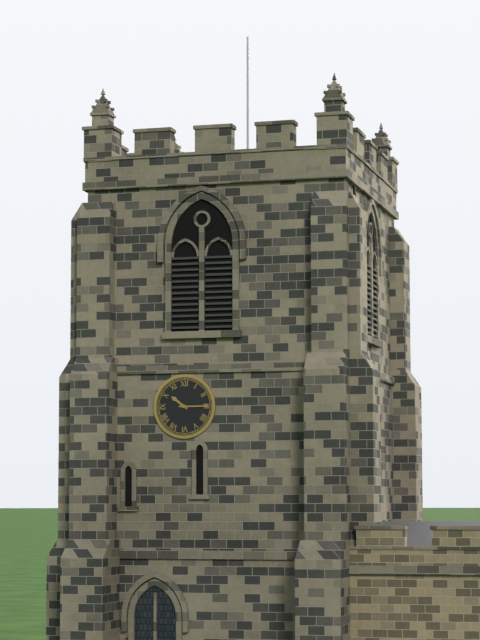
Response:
h=10 m=15
